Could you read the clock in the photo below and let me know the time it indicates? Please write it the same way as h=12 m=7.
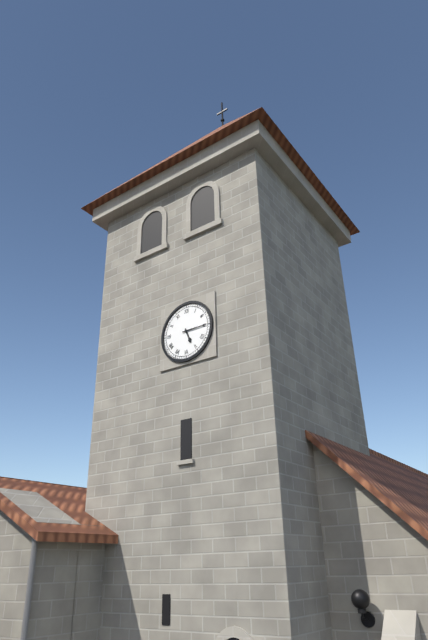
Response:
h=5 m=15
